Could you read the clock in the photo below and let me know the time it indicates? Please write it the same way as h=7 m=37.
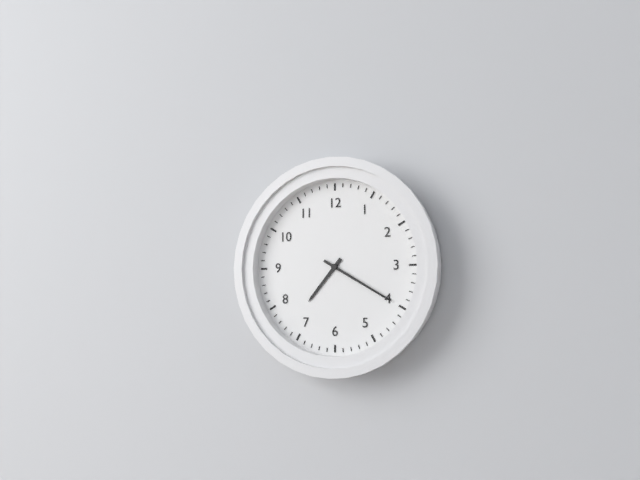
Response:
h=7 m=20
